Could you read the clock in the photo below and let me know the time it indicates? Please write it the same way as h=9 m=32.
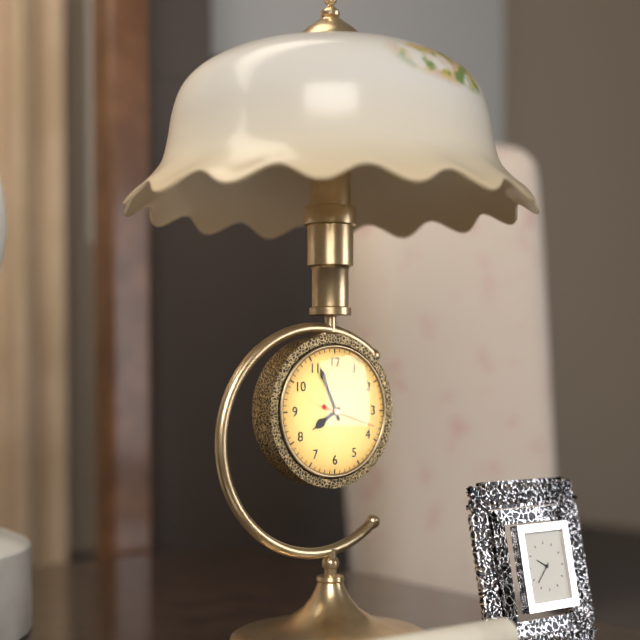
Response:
h=7 m=56
